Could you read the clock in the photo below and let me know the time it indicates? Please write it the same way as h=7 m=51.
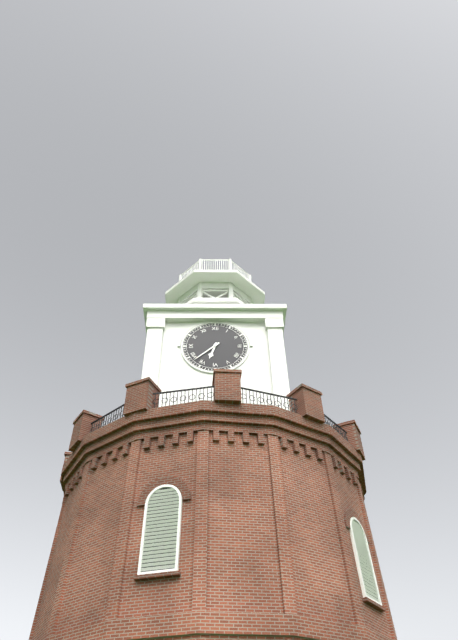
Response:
h=6 m=38
